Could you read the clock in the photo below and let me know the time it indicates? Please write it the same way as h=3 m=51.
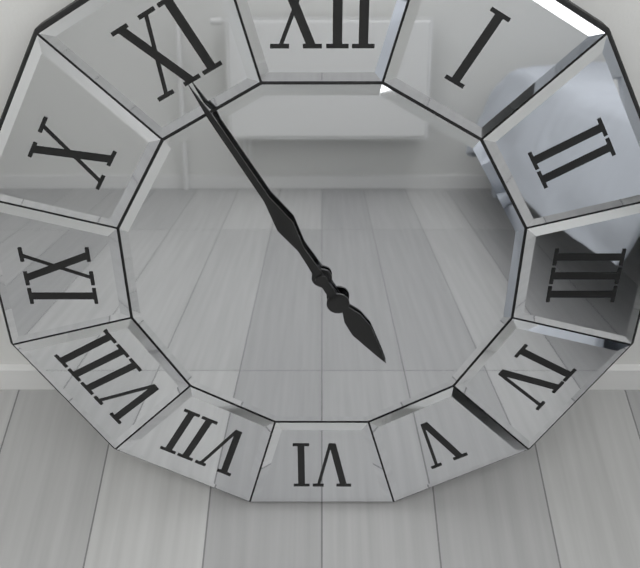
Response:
h=4 m=55
